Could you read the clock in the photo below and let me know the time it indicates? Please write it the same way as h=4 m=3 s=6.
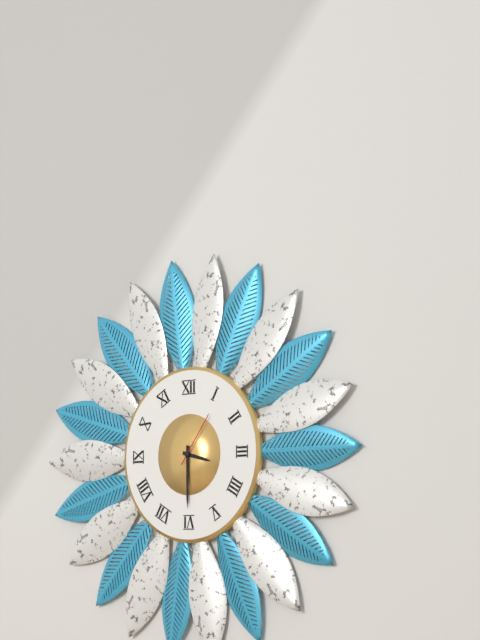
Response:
h=3 m=30 s=6
